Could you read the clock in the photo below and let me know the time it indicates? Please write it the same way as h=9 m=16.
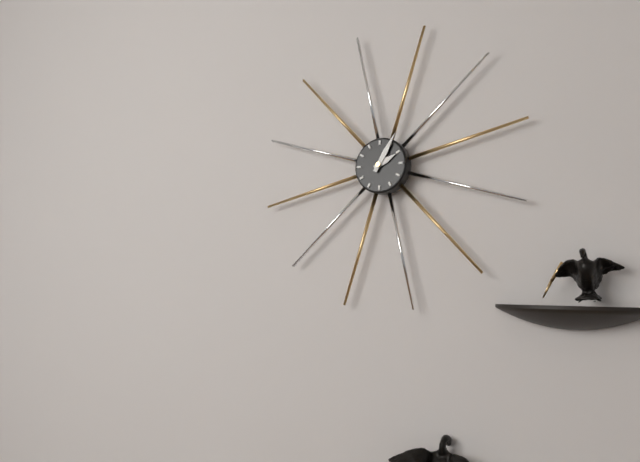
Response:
h=2 m=5
